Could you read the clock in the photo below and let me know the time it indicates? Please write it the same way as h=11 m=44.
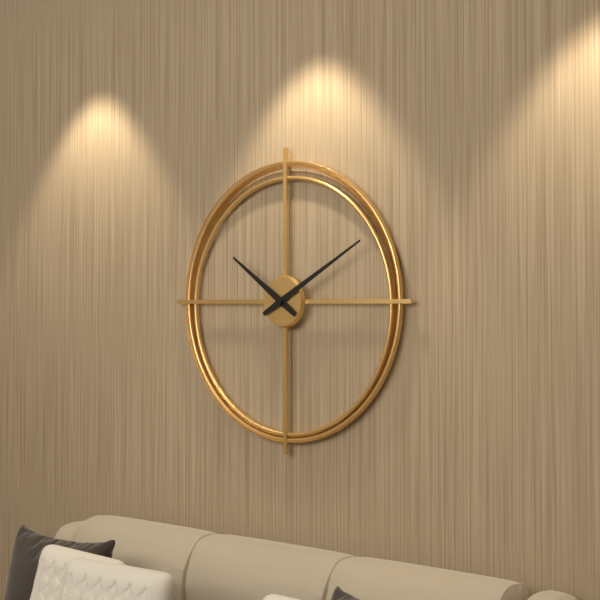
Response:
h=10 m=10
